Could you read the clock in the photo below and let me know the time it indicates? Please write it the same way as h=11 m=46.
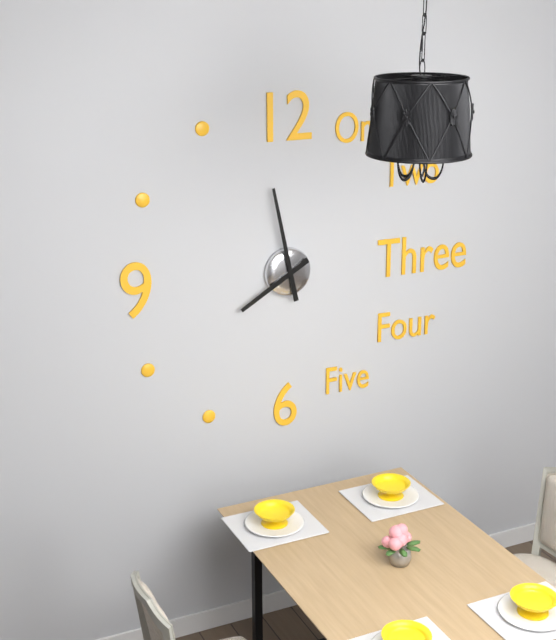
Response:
h=7 m=58
